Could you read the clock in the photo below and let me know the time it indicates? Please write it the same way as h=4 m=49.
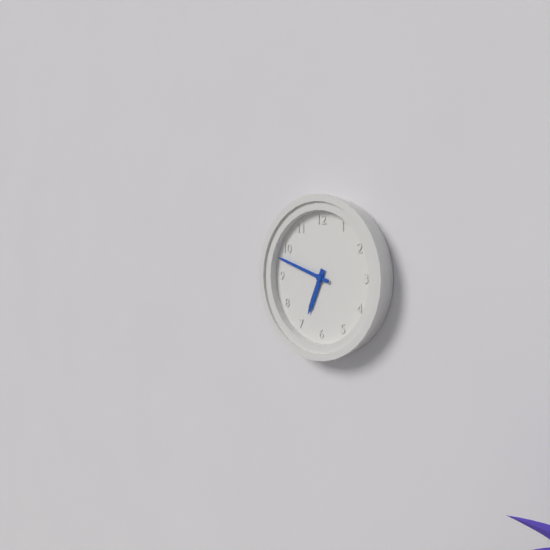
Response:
h=6 m=48
